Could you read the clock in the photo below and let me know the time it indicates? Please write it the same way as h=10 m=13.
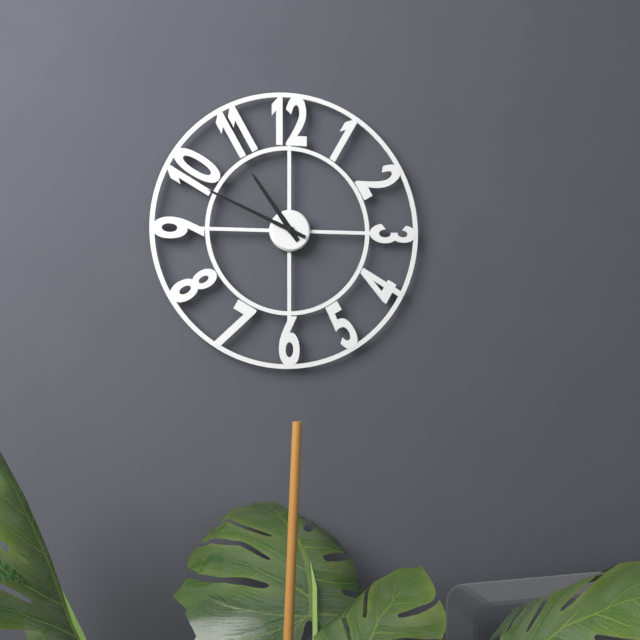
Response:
h=10 m=49
